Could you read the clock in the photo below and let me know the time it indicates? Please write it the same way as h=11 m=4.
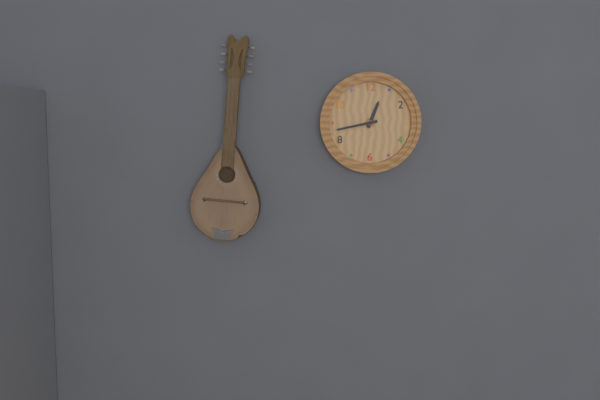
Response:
h=12 m=43
